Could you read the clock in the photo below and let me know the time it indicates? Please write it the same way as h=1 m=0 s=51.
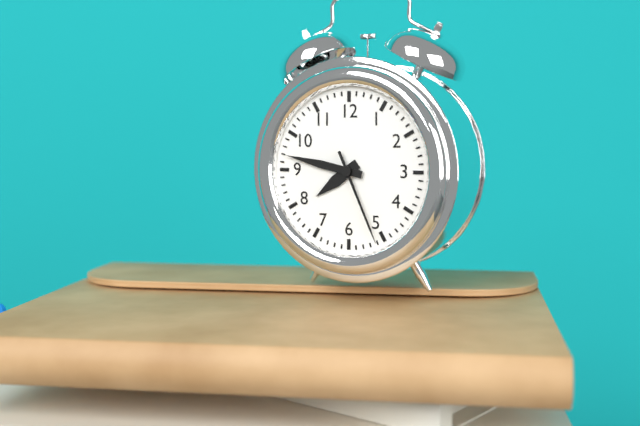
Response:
h=7 m=47 s=26
